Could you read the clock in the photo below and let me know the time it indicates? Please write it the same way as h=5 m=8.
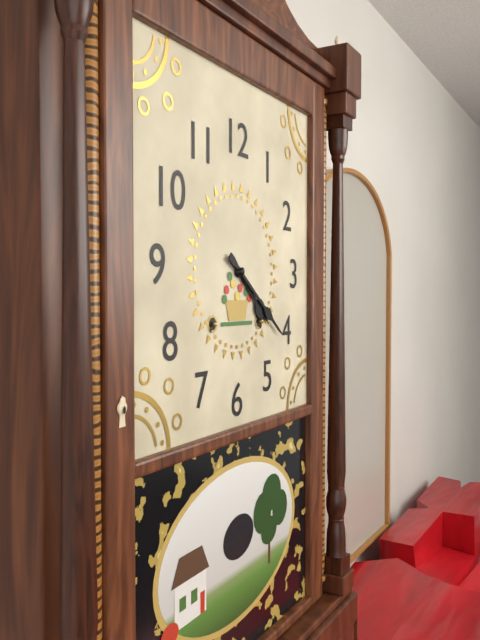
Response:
h=4 m=21
